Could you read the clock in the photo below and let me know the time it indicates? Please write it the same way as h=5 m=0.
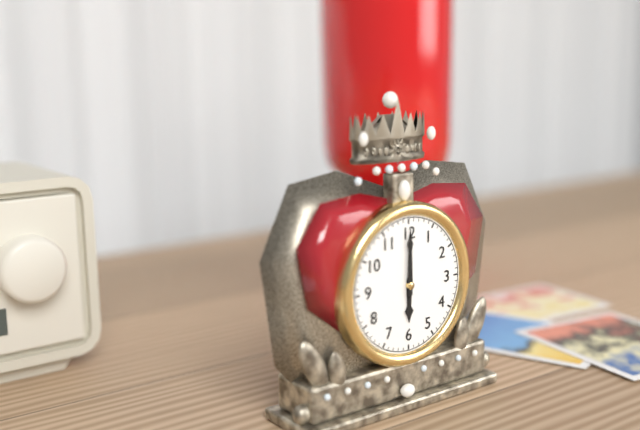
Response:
h=6 m=0
